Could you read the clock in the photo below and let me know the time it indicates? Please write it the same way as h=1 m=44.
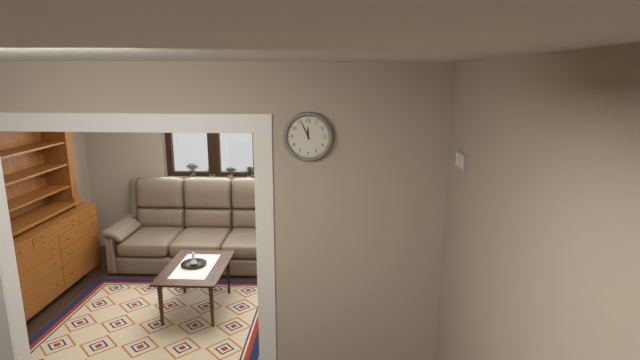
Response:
h=11 m=56
